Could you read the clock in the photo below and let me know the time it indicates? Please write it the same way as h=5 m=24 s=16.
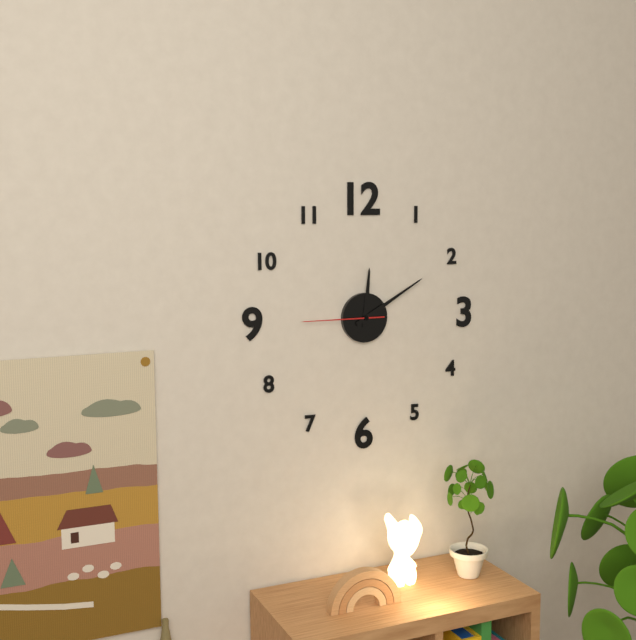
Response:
h=12 m=10 s=45
